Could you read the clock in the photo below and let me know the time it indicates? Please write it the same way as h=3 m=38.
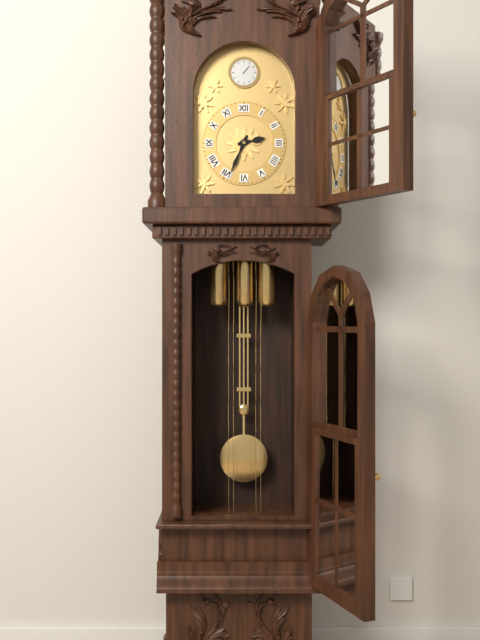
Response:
h=2 m=34
